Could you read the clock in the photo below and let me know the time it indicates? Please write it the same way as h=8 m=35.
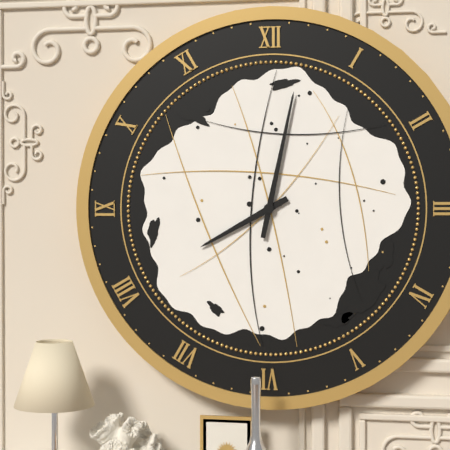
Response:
h=8 m=2
